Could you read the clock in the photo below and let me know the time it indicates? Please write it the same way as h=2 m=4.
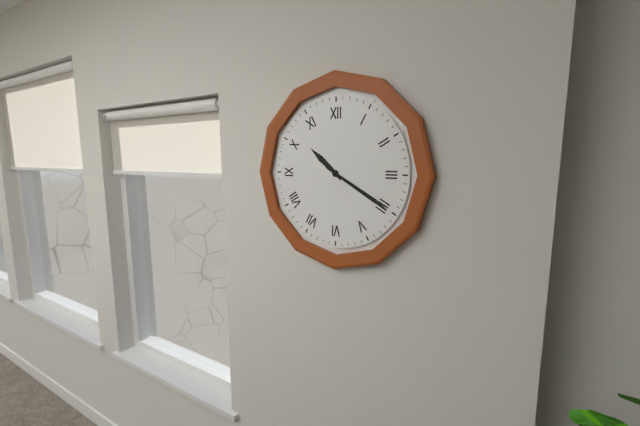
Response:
h=10 m=20
